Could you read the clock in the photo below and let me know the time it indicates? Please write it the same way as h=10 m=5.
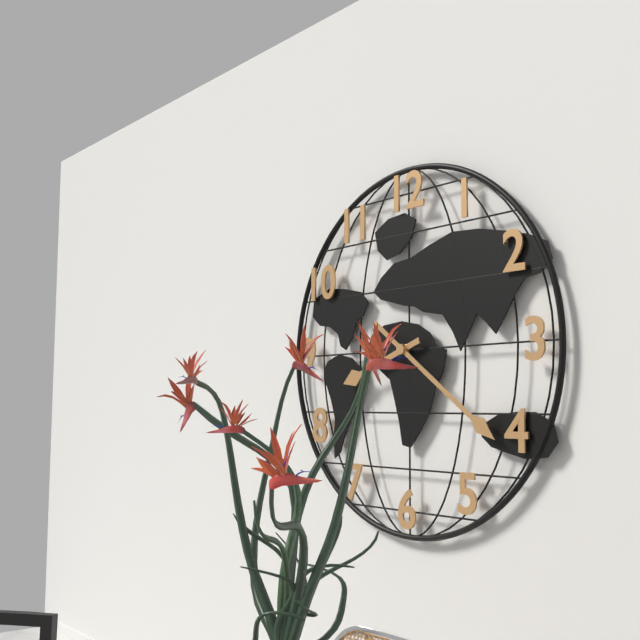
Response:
h=8 m=21
